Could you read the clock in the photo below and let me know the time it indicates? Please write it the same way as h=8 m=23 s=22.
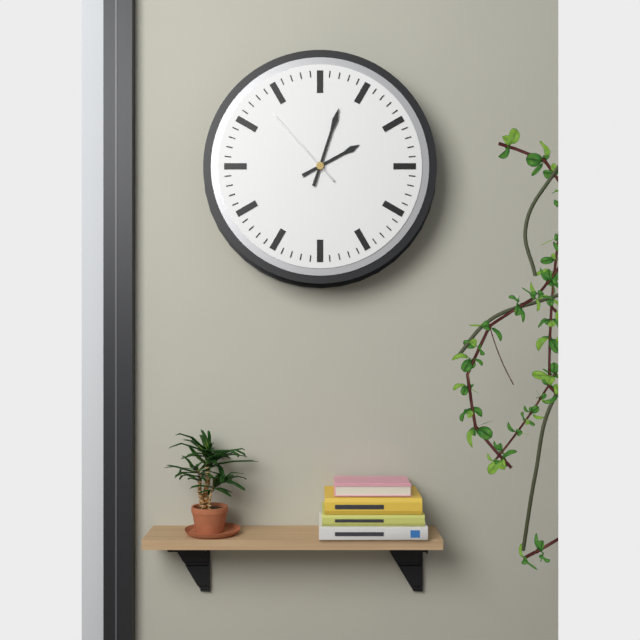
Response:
h=2 m=3 s=53
